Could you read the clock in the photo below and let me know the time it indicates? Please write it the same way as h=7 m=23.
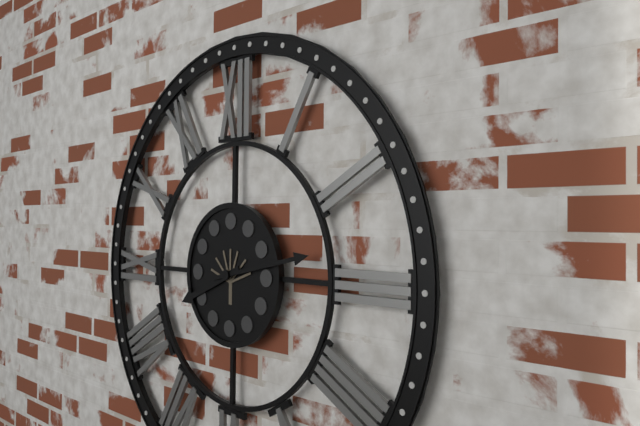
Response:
h=8 m=13
